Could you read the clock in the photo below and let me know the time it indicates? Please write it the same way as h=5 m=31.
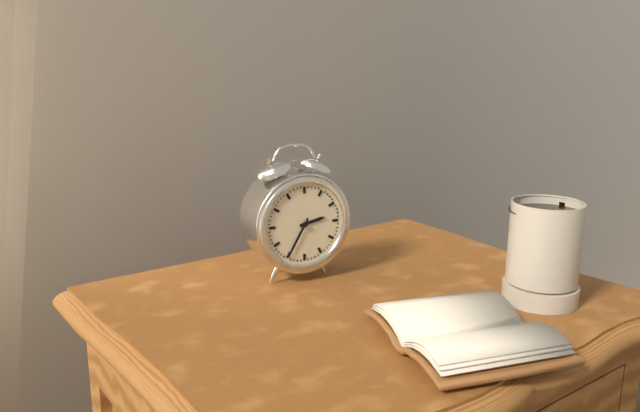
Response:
h=2 m=35
